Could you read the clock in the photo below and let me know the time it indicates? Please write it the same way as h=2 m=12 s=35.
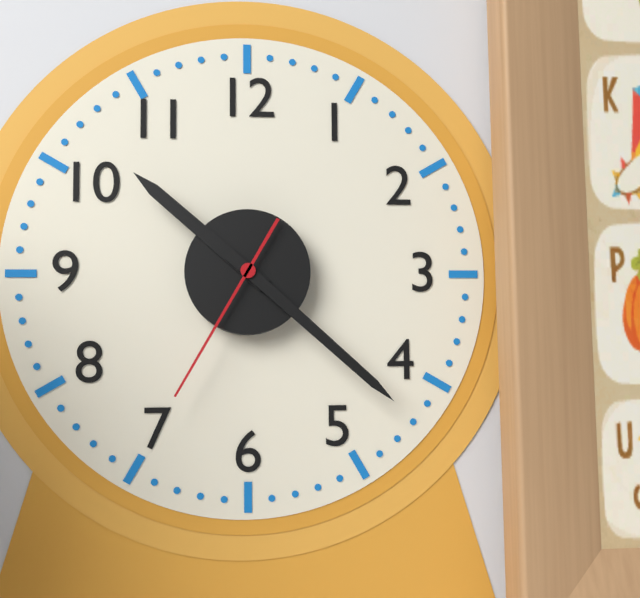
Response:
h=10 m=22 s=35
